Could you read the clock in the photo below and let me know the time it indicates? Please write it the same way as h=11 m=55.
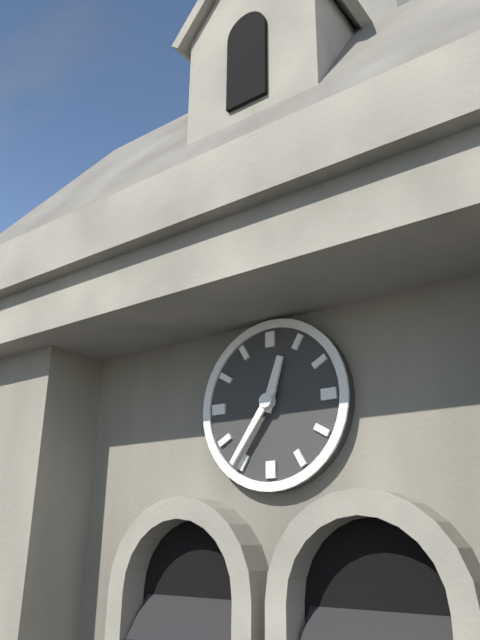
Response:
h=12 m=36
